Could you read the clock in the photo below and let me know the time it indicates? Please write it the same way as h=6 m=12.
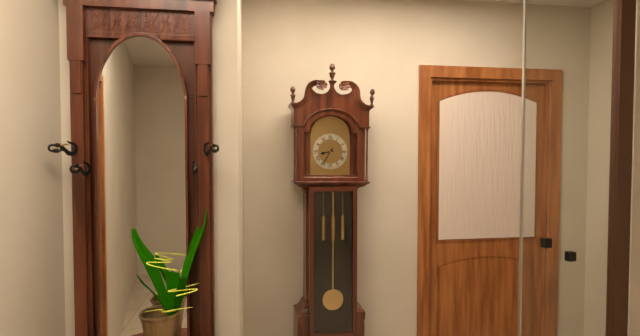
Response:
h=8 m=35
